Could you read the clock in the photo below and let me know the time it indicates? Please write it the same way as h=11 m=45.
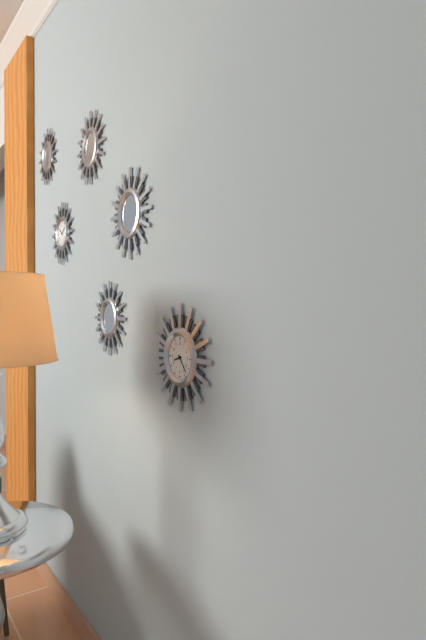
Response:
h=8 m=23
